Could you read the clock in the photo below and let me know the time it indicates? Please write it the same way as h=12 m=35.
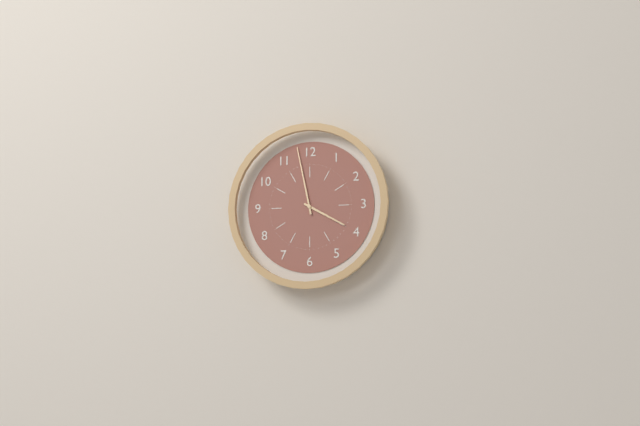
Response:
h=3 m=58
